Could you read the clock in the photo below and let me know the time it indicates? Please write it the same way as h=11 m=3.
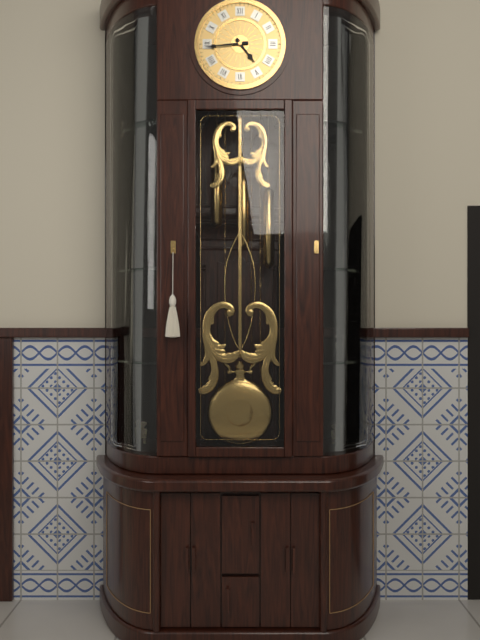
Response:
h=4 m=44
